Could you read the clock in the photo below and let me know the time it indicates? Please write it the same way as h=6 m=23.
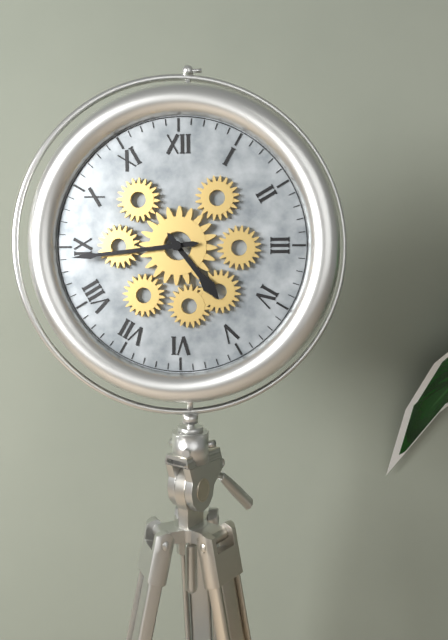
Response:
h=4 m=44
